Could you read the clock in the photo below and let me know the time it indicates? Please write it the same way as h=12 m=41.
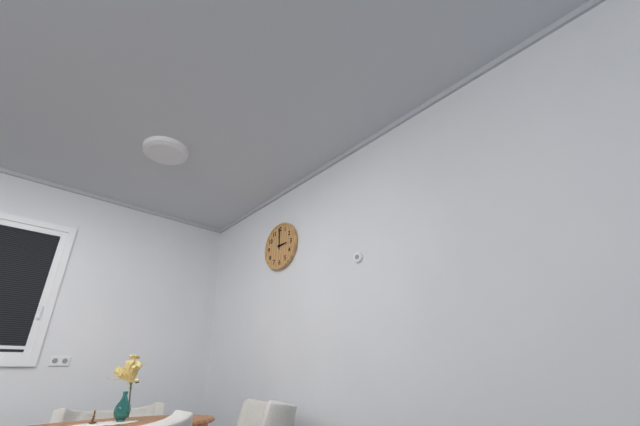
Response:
h=3 m=0
